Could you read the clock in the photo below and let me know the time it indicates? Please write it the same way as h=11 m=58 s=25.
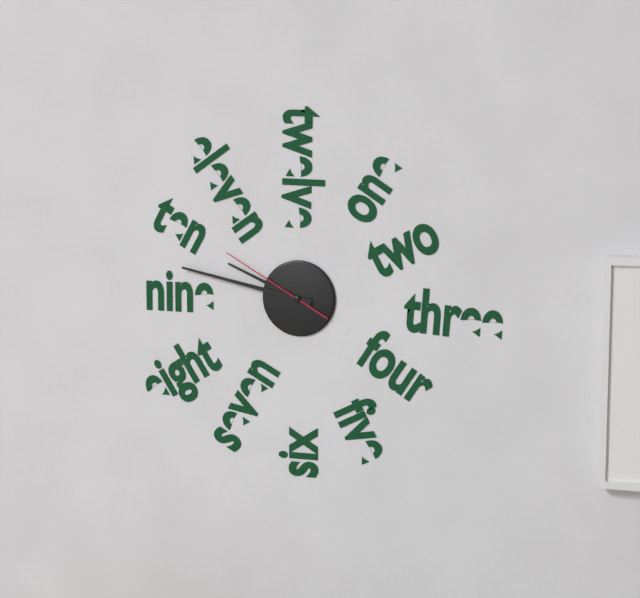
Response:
h=9 m=47 s=50
